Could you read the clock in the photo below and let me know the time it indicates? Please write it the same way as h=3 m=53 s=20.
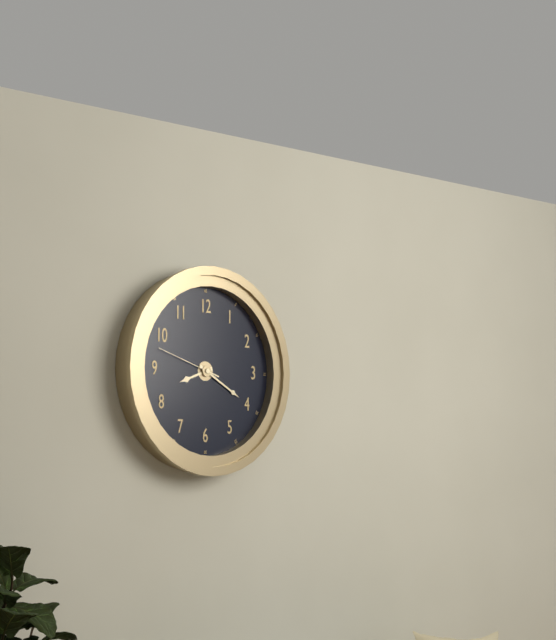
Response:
h=8 m=20 s=48
